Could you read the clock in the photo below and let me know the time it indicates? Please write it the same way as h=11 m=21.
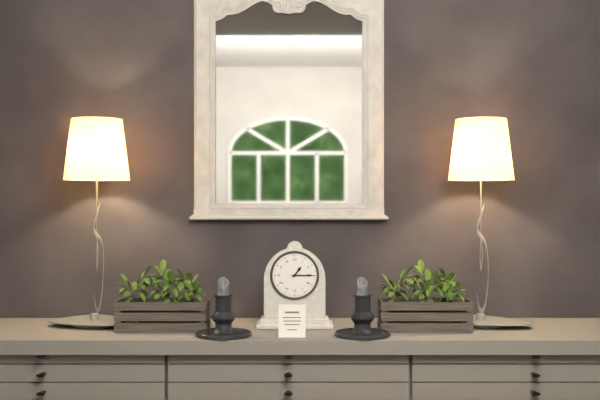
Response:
h=1 m=15
